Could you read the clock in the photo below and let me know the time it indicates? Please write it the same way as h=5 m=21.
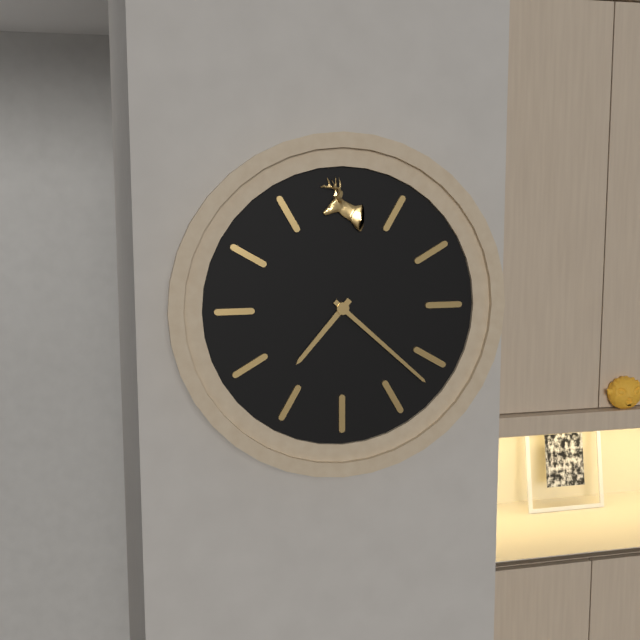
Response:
h=7 m=22
